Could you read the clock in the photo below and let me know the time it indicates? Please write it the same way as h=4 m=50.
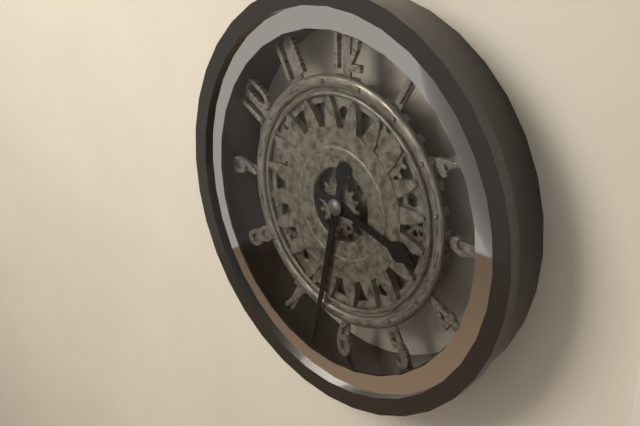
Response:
h=3 m=32
